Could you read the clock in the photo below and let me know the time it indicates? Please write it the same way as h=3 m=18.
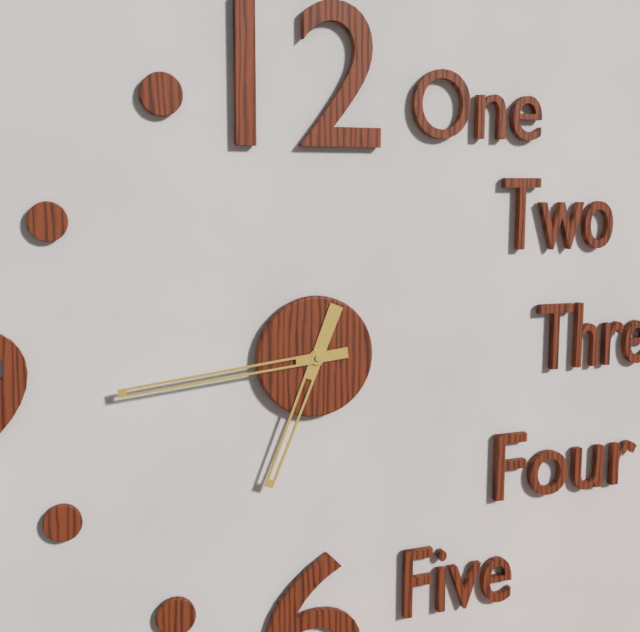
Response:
h=6 m=44
